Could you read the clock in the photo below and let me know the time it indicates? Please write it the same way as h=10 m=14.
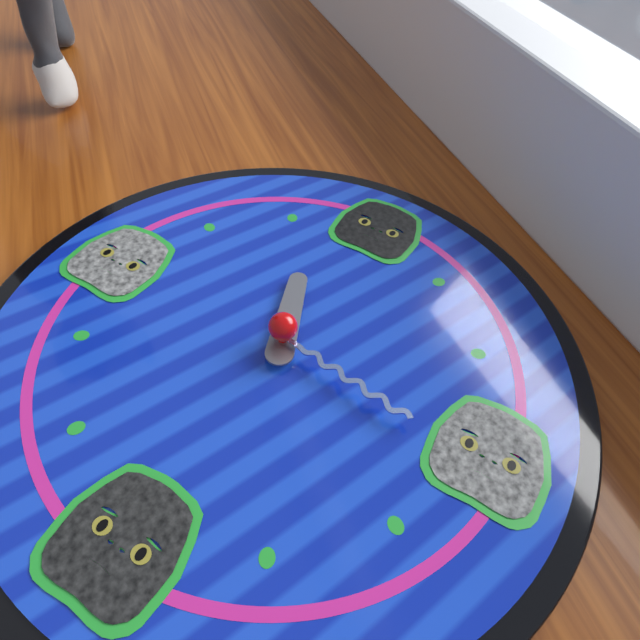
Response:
h=11 m=16
